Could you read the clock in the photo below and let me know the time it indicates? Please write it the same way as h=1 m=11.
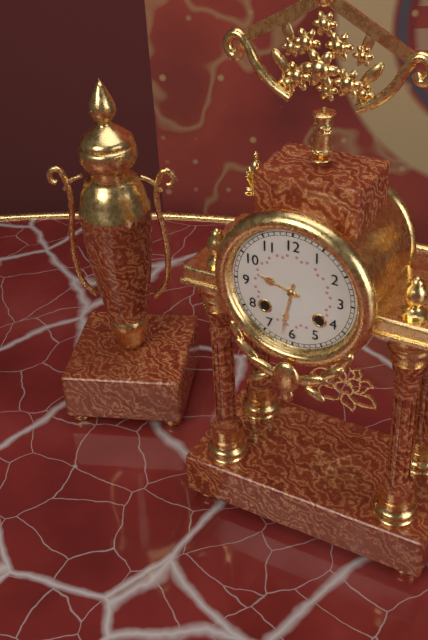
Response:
h=9 m=32
